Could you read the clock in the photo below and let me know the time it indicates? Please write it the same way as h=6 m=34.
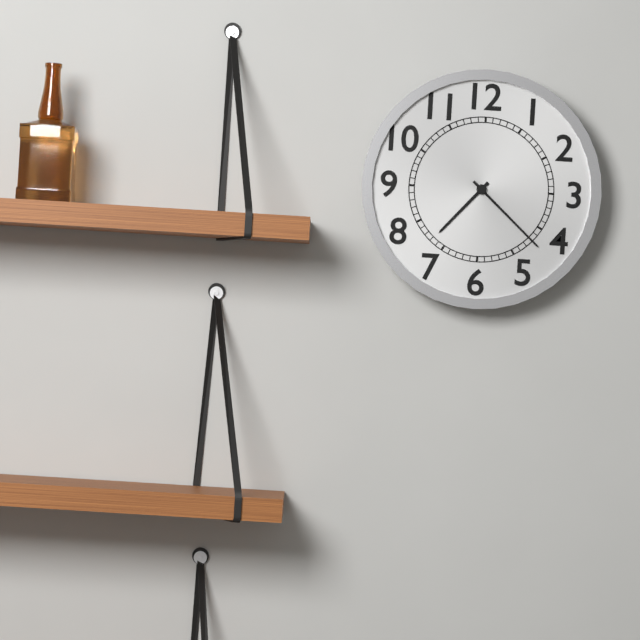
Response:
h=7 m=22
